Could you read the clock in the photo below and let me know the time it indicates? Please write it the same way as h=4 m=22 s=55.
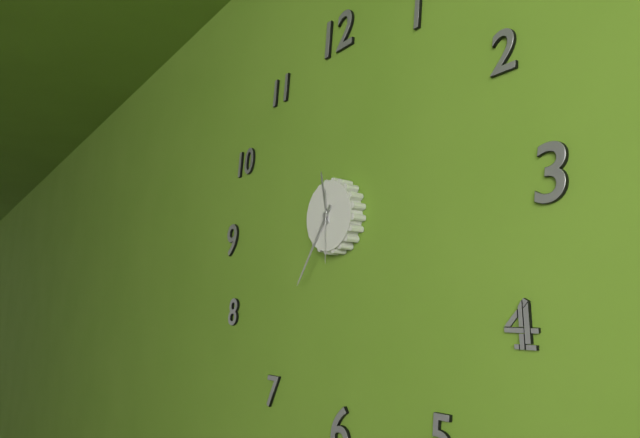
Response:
h=11 m=36 s=30
